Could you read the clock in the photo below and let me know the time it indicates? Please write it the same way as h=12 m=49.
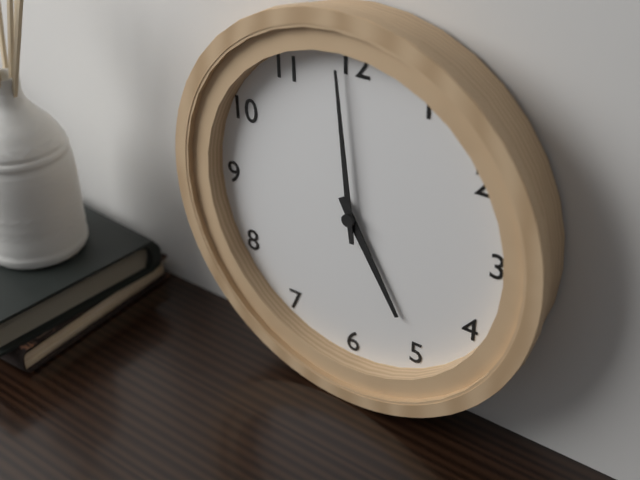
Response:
h=4 m=59
